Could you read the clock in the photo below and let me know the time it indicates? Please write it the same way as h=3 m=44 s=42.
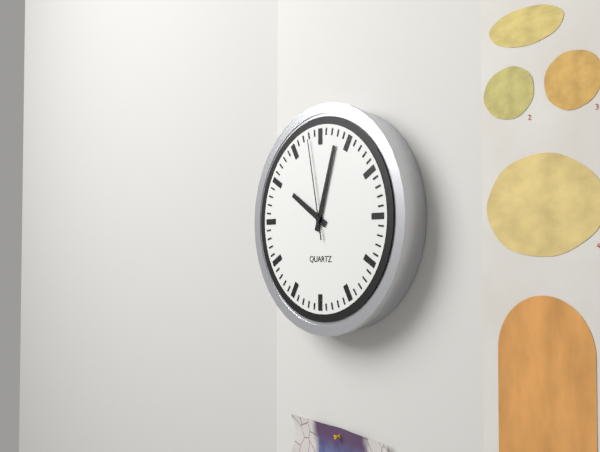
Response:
h=10 m=3 s=58
